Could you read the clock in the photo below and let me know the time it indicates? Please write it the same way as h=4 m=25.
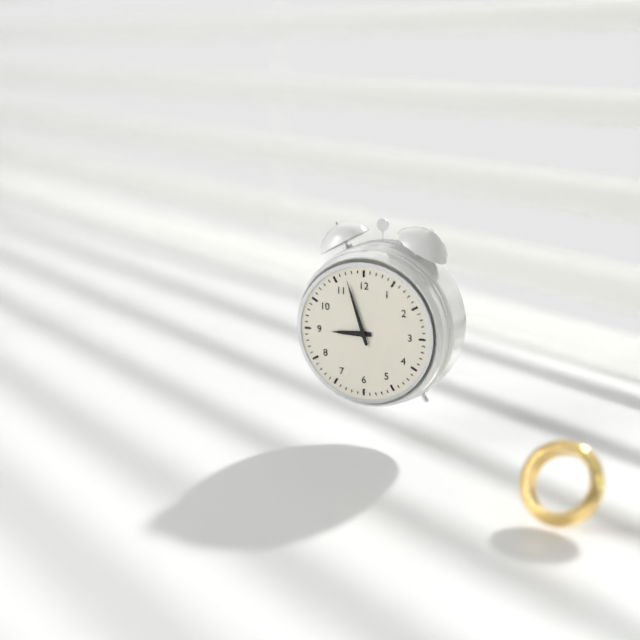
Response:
h=8 m=57
